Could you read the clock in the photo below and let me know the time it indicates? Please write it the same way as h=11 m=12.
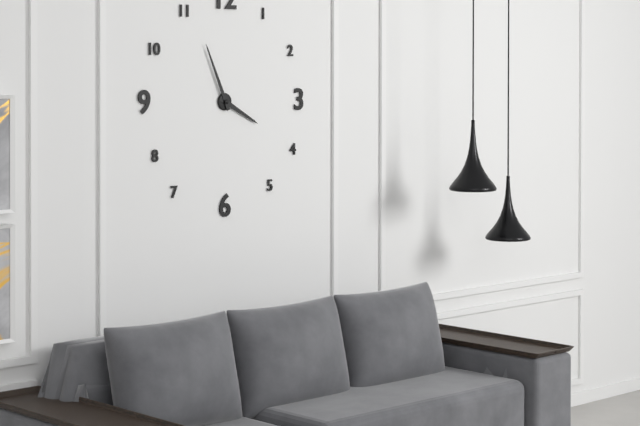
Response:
h=3 m=56
